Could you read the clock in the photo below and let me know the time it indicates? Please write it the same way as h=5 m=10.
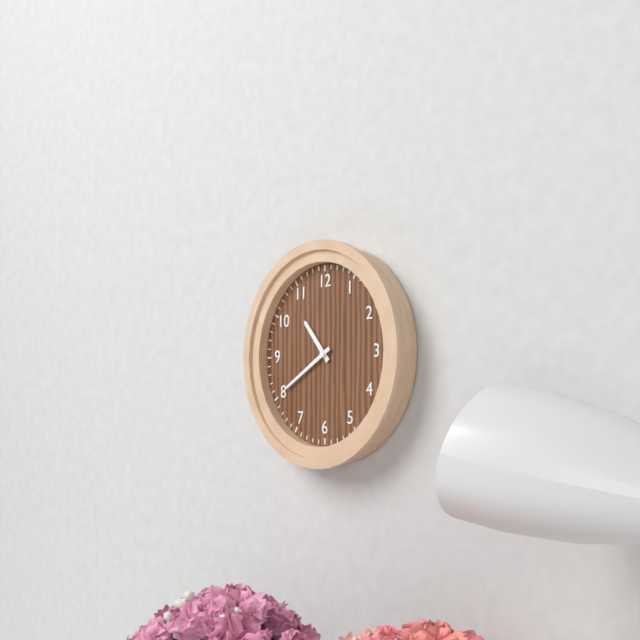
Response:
h=10 m=40
